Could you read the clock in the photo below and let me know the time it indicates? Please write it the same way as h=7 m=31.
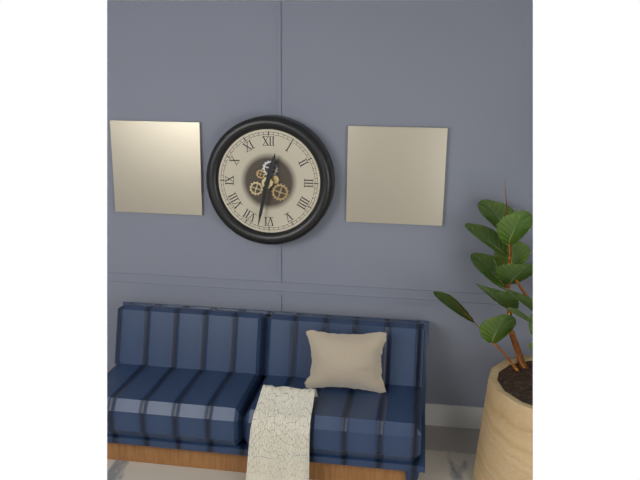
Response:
h=12 m=32
